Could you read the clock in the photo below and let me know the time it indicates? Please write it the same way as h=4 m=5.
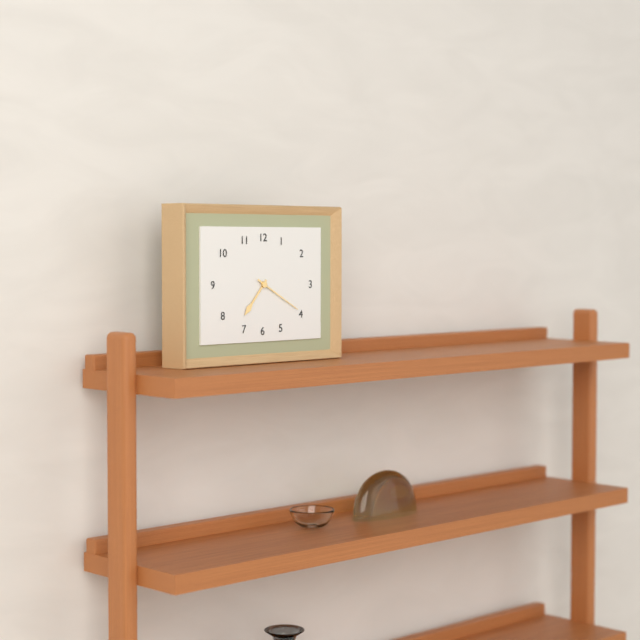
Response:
h=7 m=20
